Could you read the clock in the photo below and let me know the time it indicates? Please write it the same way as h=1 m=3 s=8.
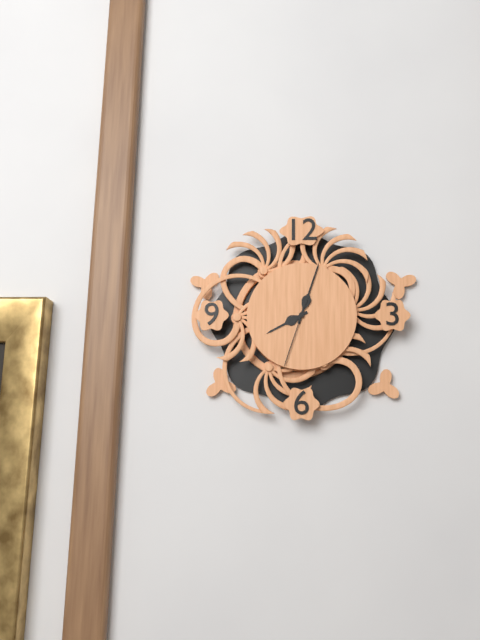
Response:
h=8 m=3 s=33
